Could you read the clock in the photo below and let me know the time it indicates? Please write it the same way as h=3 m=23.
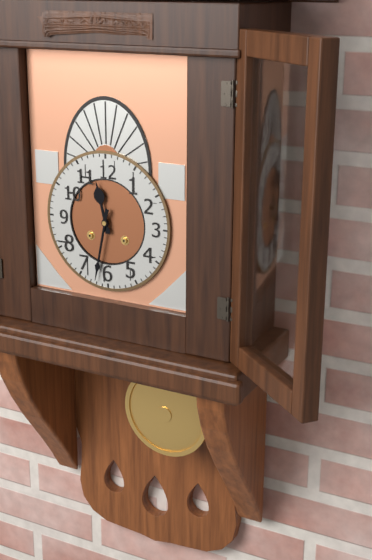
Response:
h=11 m=32
